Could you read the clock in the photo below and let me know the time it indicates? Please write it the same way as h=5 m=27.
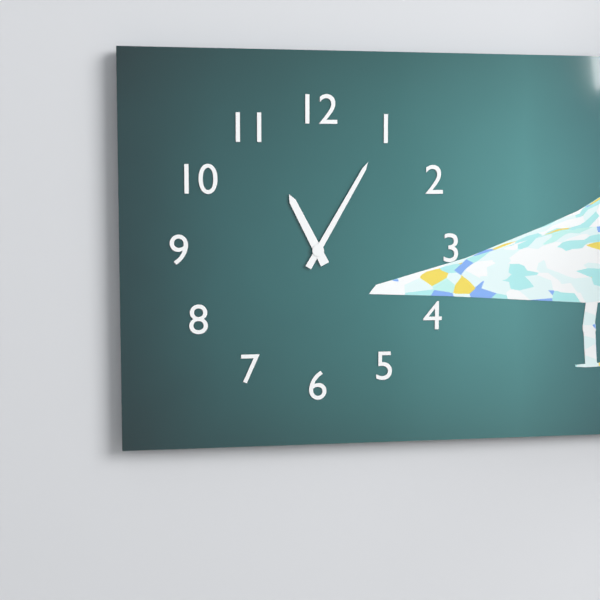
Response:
h=11 m=5
